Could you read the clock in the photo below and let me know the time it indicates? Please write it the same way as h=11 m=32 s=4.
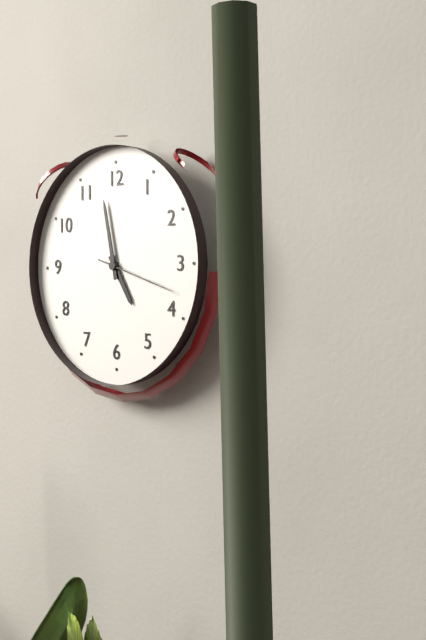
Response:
h=4 m=58 s=18
